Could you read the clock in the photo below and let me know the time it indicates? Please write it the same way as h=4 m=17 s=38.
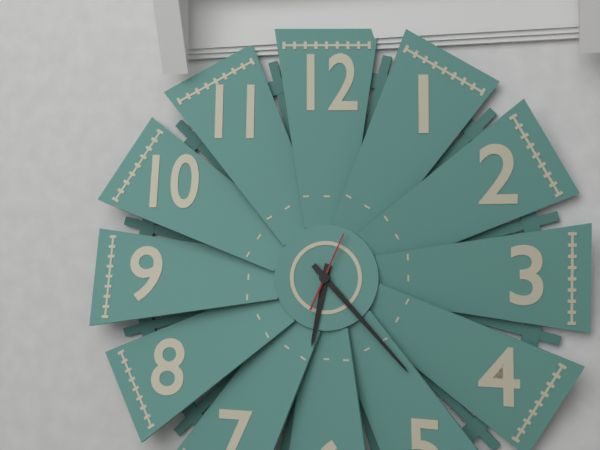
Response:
h=6 m=23 s=4
